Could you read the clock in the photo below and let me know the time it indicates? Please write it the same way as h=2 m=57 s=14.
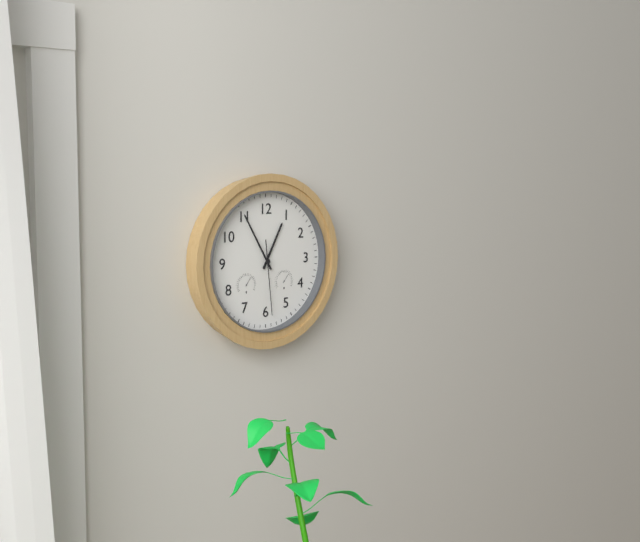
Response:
h=12 m=55 s=29
